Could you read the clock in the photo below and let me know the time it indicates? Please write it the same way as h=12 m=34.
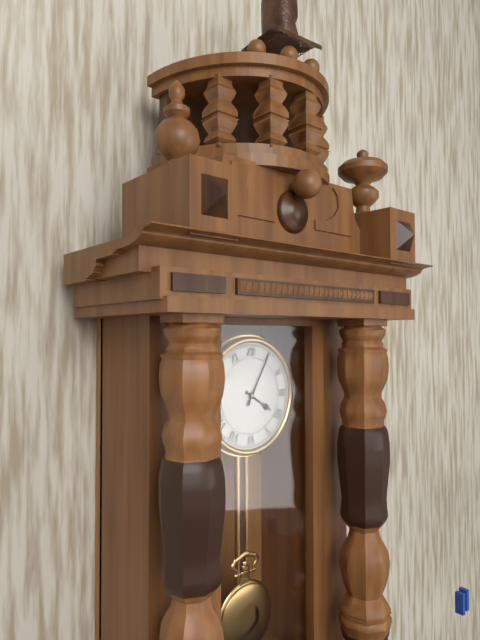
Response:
h=4 m=5
